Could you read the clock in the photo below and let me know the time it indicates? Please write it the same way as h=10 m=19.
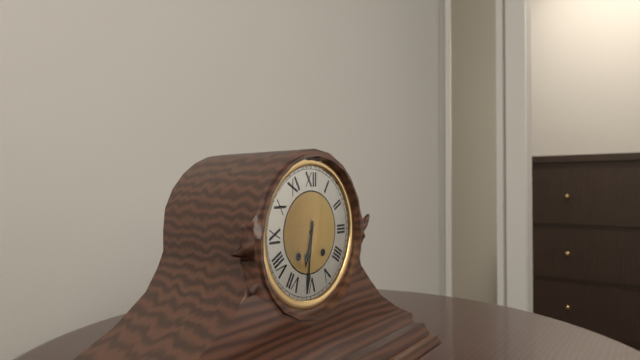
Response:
h=6 m=31
